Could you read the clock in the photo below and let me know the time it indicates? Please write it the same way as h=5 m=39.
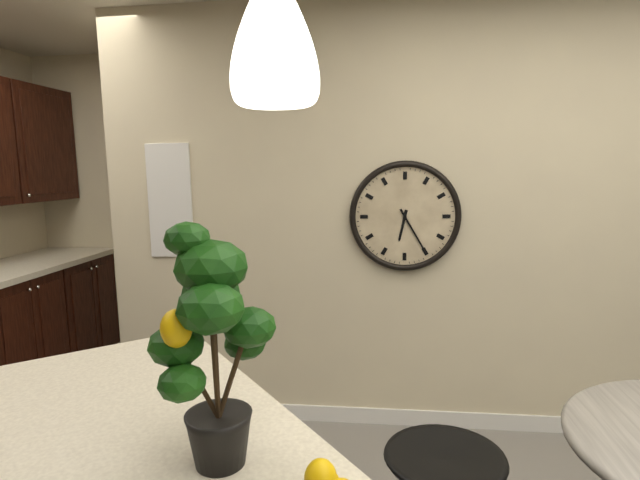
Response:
h=6 m=25
